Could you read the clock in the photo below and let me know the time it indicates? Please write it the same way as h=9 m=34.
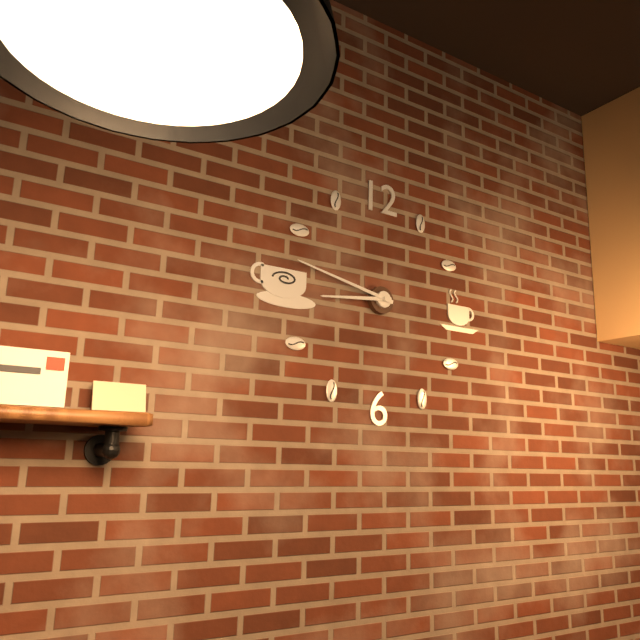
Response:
h=8 m=47
